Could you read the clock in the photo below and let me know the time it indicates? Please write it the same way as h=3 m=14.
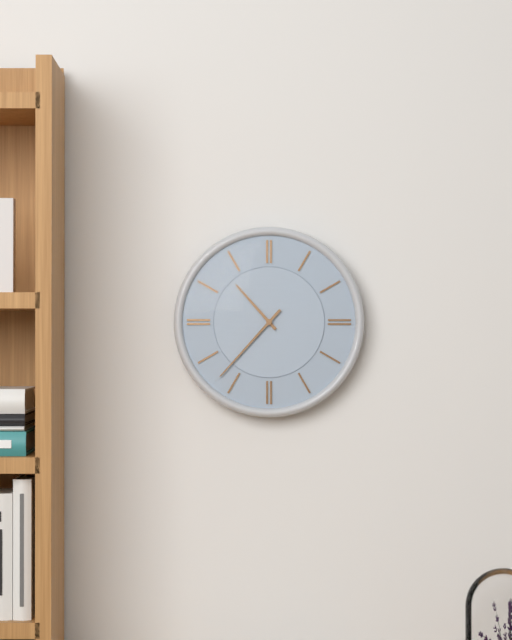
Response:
h=10 m=37
